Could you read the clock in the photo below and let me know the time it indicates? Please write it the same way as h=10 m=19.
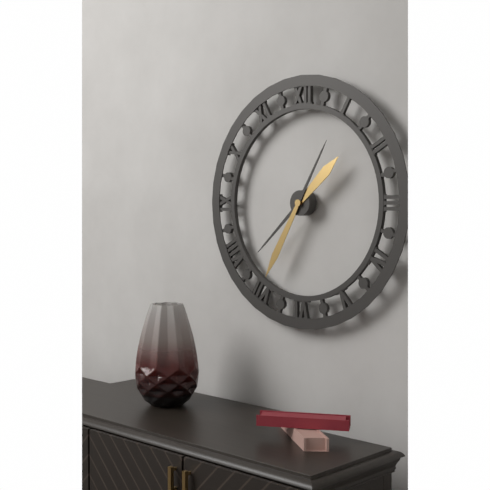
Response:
h=1 m=35
